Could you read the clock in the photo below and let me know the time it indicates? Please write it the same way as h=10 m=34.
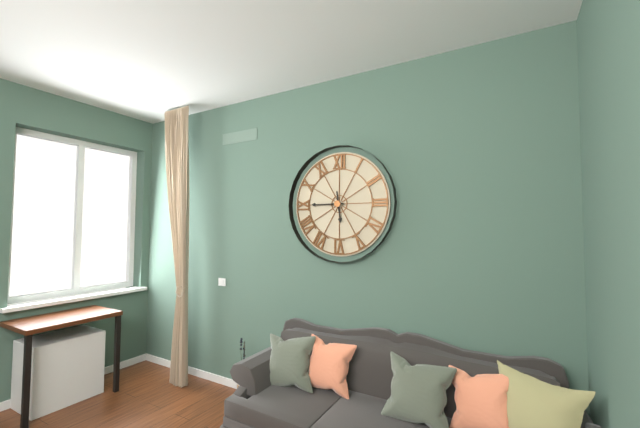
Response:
h=5 m=45
